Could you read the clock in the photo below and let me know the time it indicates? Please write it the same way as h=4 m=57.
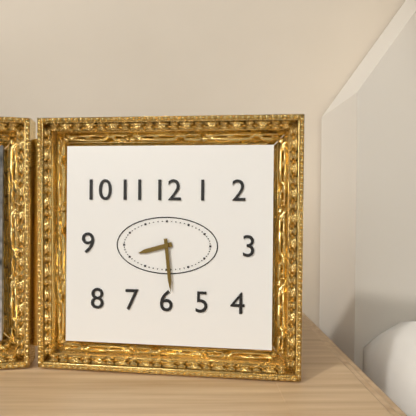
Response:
h=8 m=29
